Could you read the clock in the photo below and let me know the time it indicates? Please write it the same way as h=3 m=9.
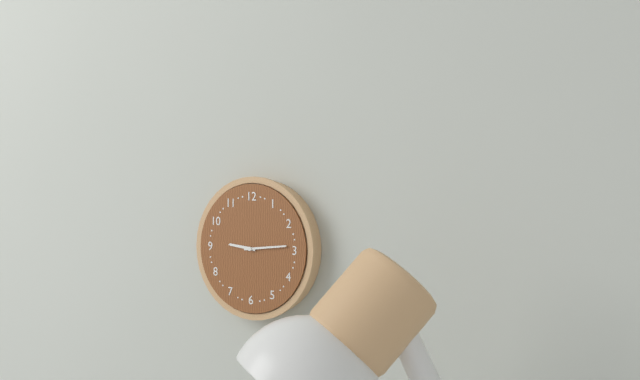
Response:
h=9 m=14
